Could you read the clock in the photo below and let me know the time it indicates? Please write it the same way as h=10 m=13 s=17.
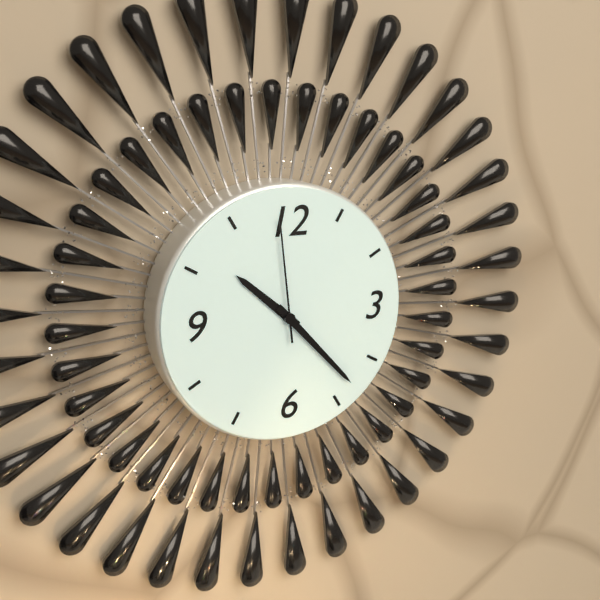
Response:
h=10 m=23 s=59
